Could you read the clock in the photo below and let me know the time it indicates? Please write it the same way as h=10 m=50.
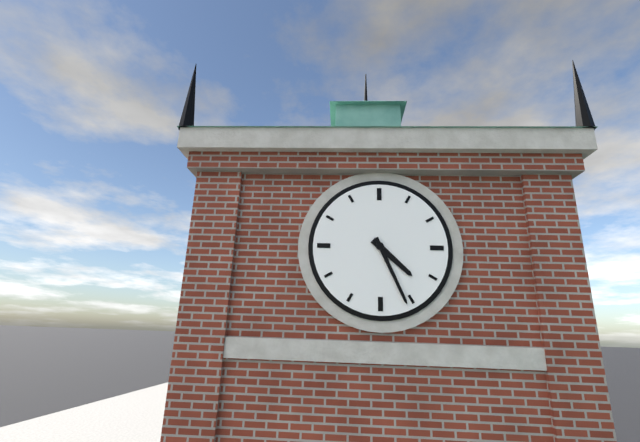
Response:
h=4 m=26
